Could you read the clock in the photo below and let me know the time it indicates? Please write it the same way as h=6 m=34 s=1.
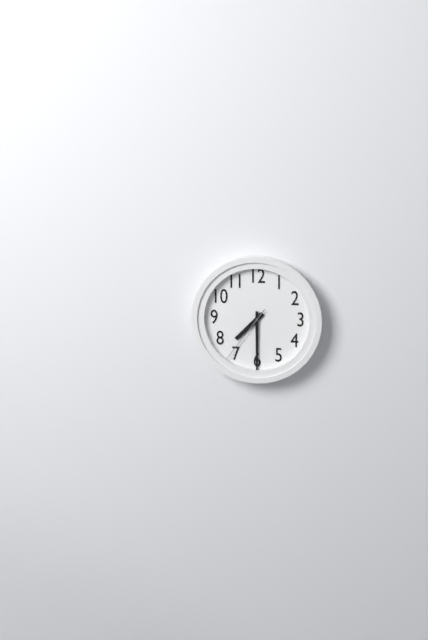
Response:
h=7 m=30 s=36
